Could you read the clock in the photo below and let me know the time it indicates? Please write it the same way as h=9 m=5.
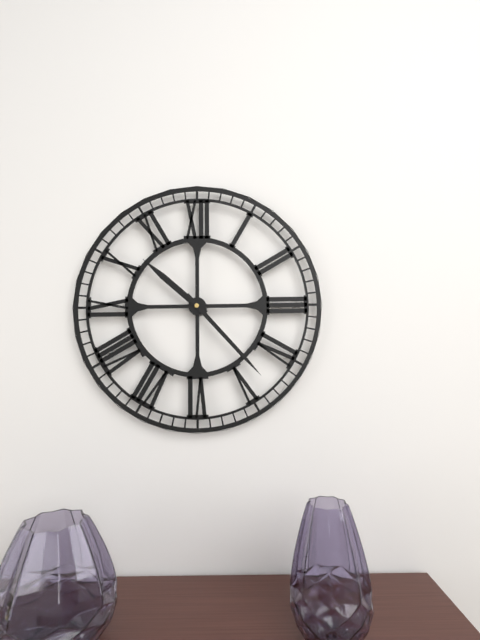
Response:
h=10 m=23
